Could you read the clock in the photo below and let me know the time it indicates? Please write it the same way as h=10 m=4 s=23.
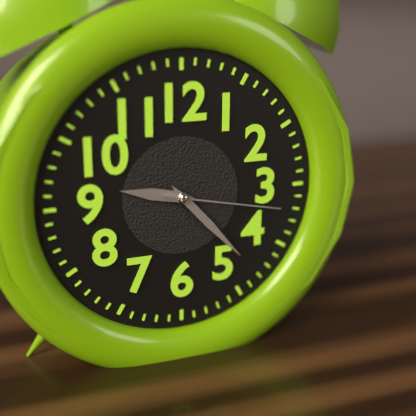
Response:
h=9 m=23 s=17
